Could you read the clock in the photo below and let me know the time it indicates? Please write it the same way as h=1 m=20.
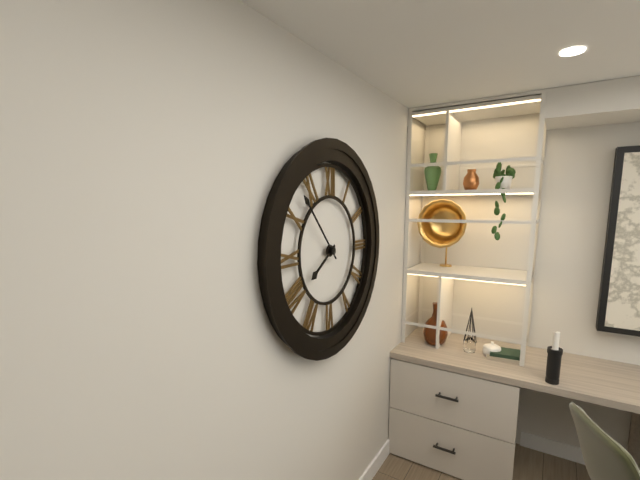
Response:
h=7 m=53
